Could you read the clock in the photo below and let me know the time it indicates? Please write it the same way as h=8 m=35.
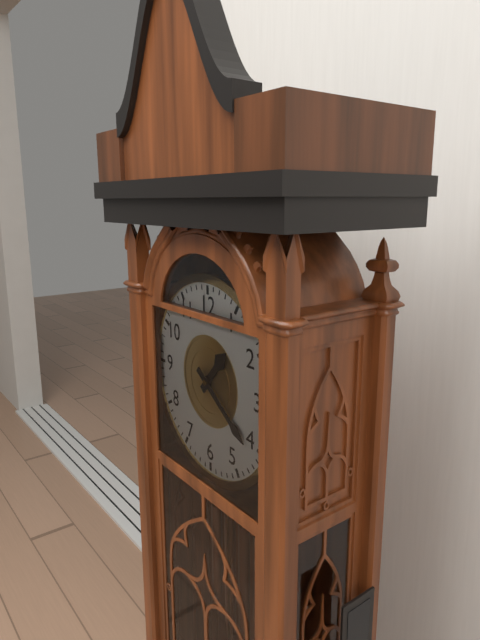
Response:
h=1 m=21
